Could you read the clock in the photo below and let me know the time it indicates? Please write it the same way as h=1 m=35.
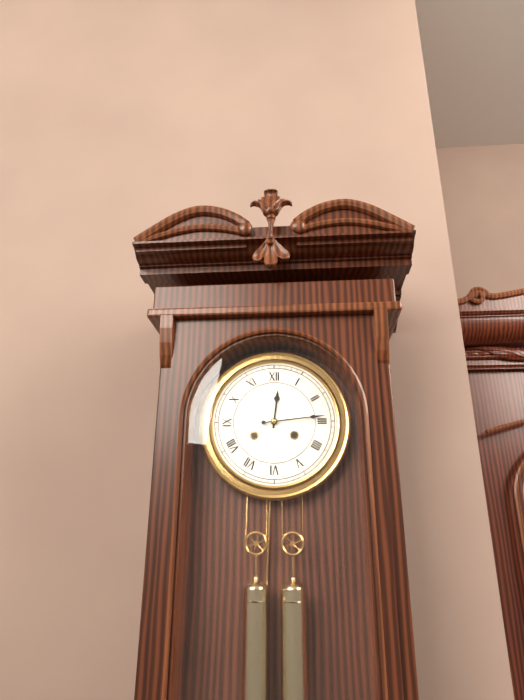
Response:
h=12 m=14
